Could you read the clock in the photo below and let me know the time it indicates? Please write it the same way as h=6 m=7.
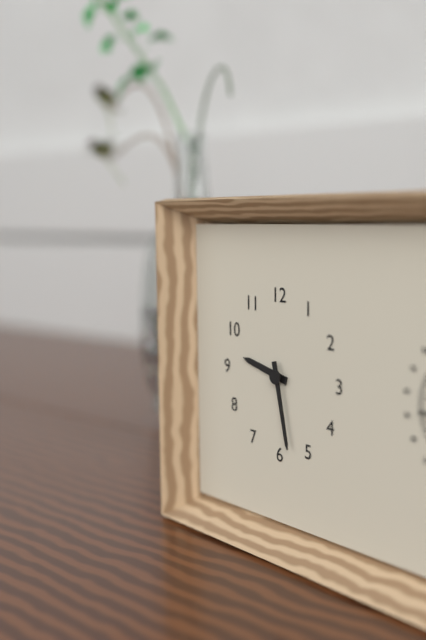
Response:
h=9 m=28
